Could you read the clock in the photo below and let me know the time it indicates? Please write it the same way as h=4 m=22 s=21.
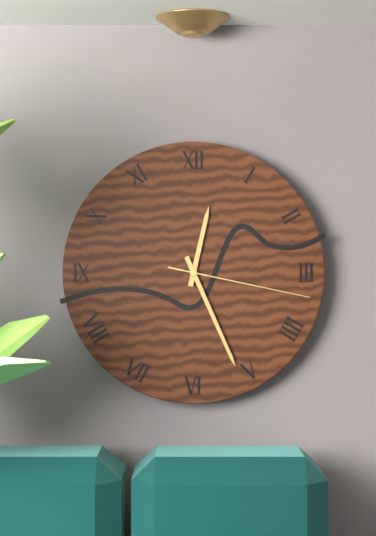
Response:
h=12 m=26 s=17
